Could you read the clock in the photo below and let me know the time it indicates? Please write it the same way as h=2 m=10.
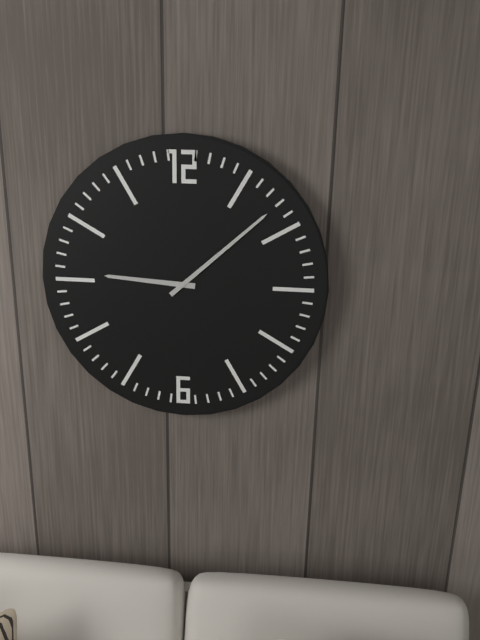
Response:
h=9 m=8
